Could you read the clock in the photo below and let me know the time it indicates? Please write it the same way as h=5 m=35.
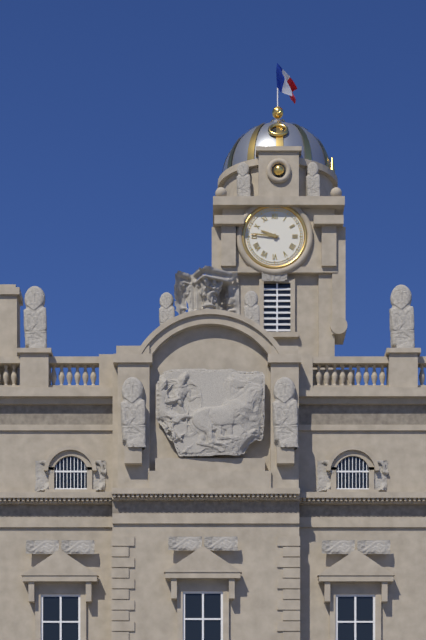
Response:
h=9 m=46
